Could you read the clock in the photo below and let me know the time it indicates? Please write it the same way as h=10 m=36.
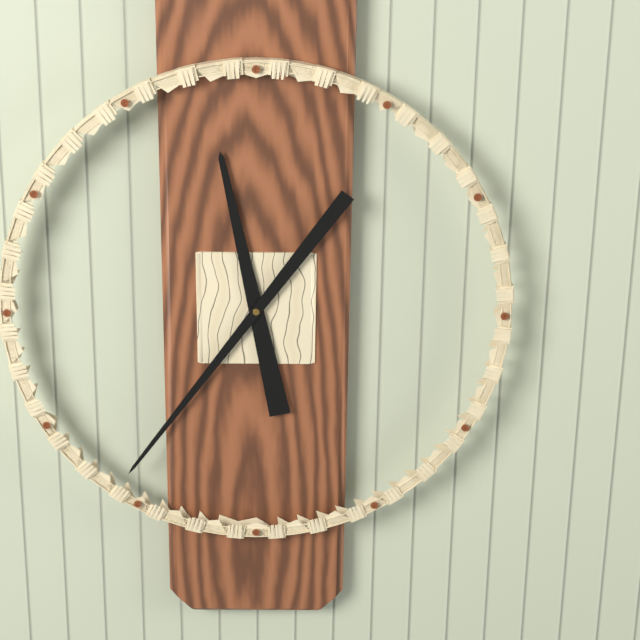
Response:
h=11 m=36
